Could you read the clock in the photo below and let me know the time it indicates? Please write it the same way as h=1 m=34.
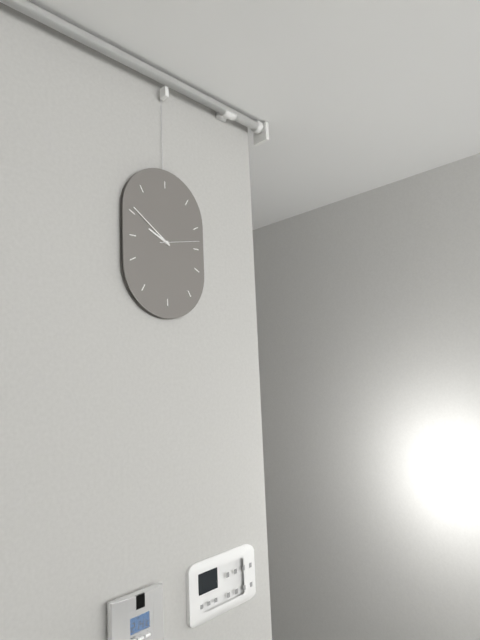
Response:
h=9 m=51
